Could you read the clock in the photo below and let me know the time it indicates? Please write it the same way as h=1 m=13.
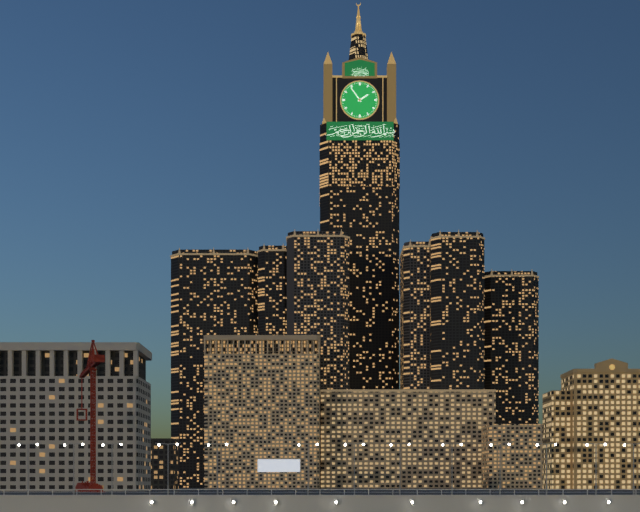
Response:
h=1 m=54
